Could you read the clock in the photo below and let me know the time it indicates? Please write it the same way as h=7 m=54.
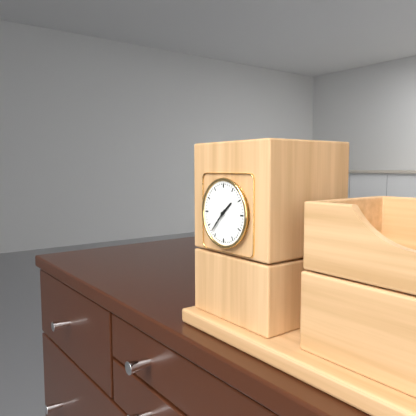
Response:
h=1 m=37
